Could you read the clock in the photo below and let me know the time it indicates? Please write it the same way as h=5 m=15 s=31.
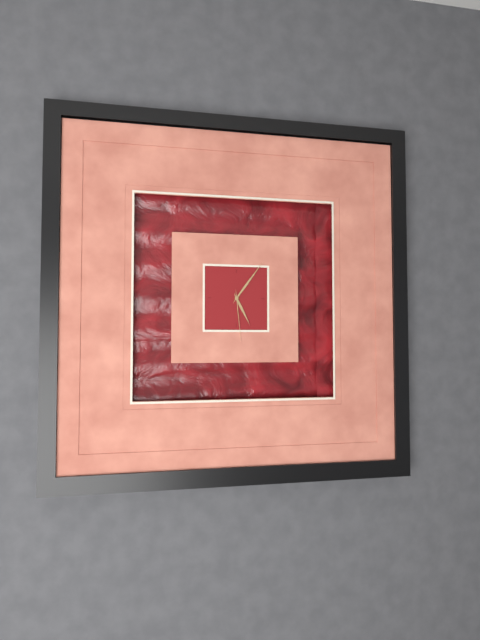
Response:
h=5 m=6 s=29
